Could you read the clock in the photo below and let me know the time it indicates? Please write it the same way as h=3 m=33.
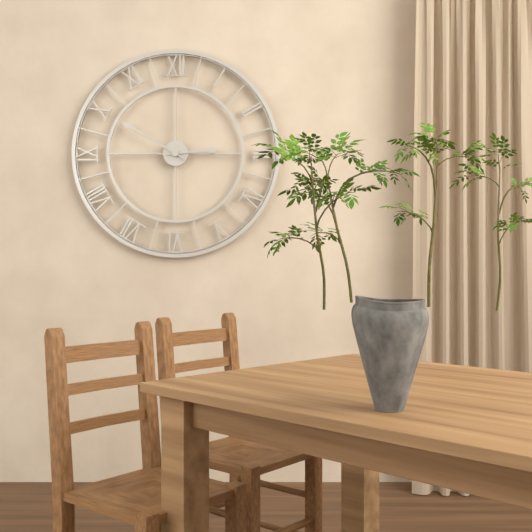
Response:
h=2 m=50
